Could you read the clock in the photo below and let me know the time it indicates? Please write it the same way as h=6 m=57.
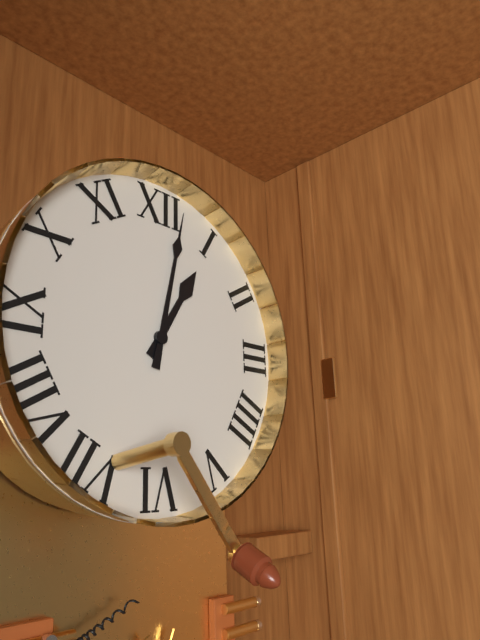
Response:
h=1 m=2
